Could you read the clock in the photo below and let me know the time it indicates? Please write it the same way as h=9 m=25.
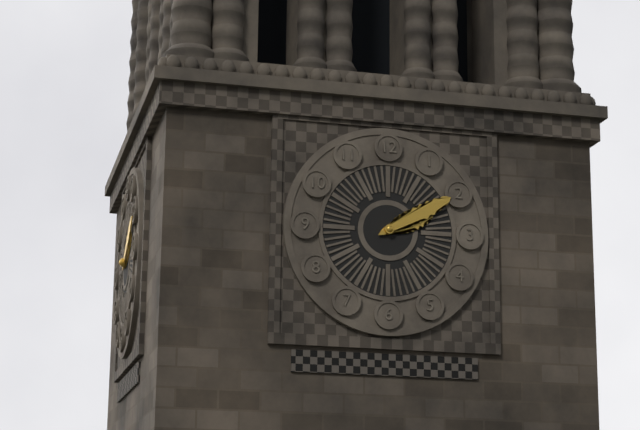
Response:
h=2 m=10
